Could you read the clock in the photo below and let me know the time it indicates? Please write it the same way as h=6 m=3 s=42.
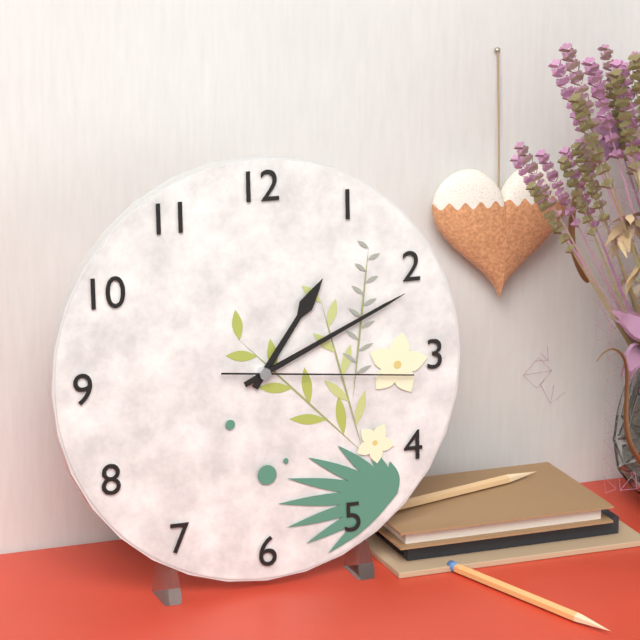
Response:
h=1 m=11 s=16
